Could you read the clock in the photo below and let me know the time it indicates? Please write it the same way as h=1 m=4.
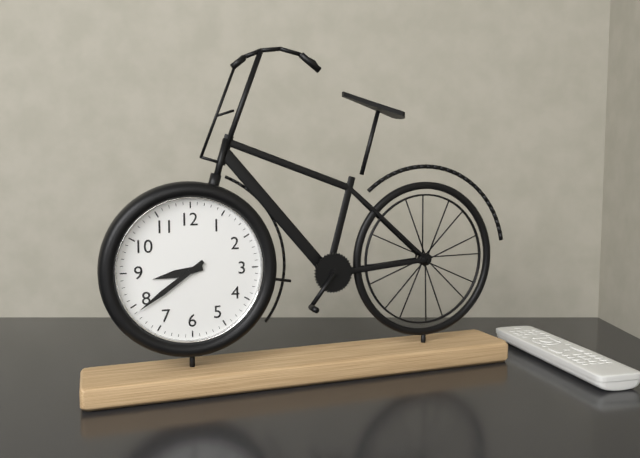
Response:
h=8 m=39
